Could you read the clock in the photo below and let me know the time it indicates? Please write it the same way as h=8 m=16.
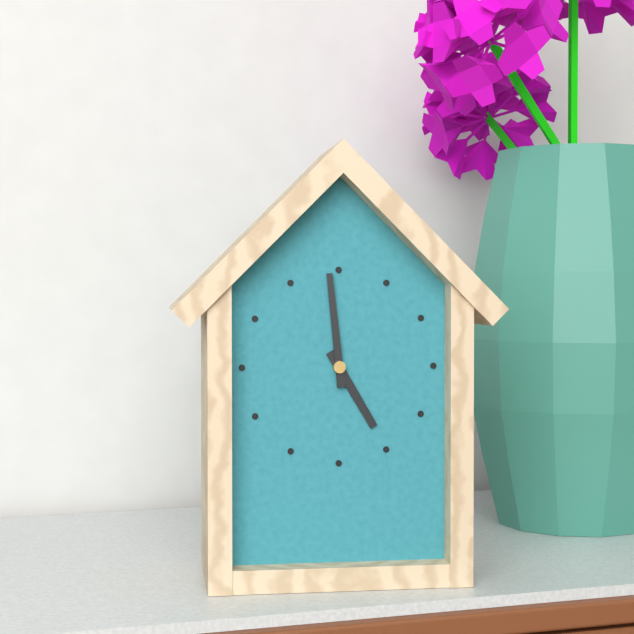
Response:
h=4 m=59
